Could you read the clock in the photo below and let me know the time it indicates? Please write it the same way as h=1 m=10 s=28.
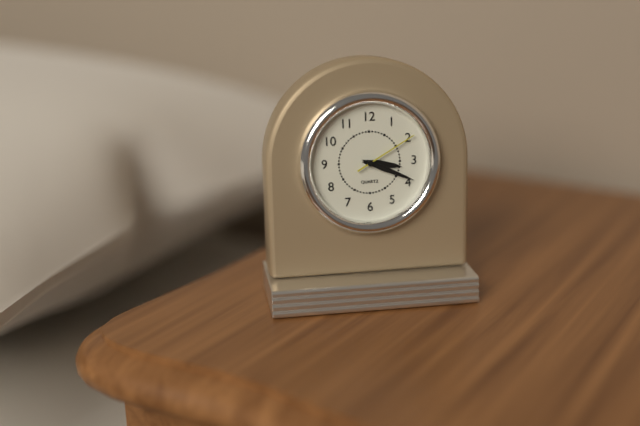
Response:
h=3 m=19 s=10
